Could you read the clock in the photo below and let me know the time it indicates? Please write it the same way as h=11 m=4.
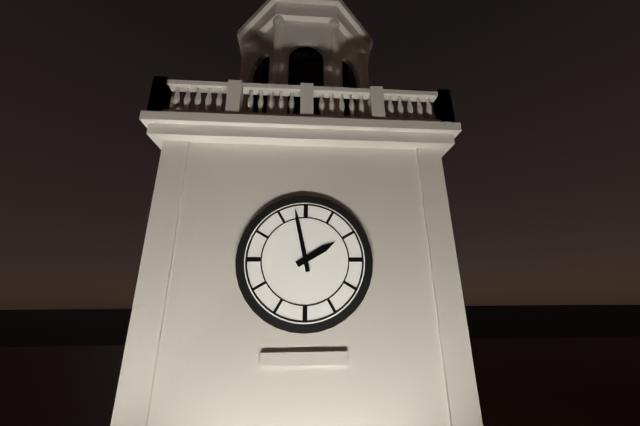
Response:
h=1 m=58
